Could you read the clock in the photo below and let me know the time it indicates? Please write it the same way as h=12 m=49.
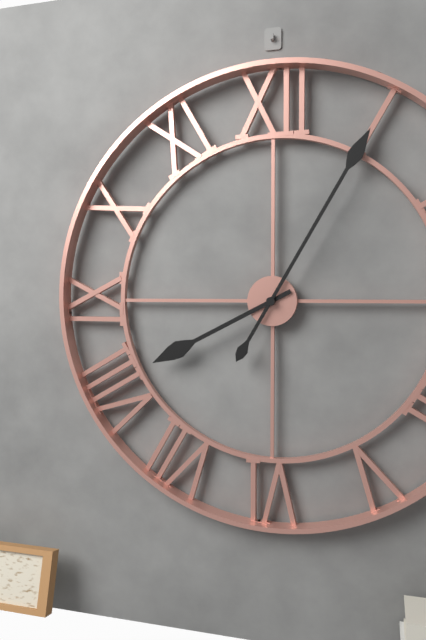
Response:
h=8 m=5
